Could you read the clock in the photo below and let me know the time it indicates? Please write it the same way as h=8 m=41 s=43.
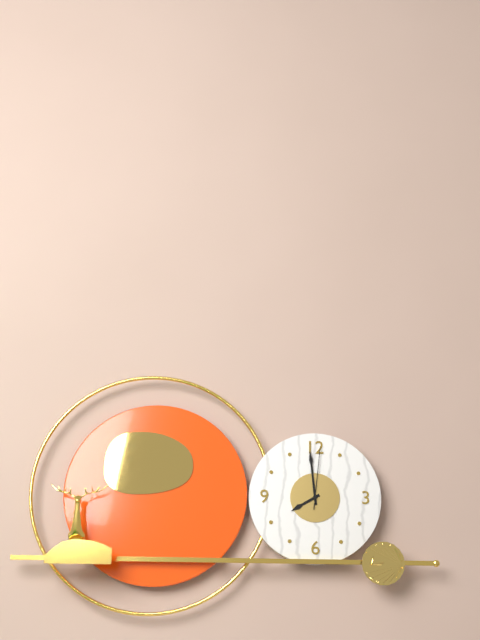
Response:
h=7 m=59 s=1
